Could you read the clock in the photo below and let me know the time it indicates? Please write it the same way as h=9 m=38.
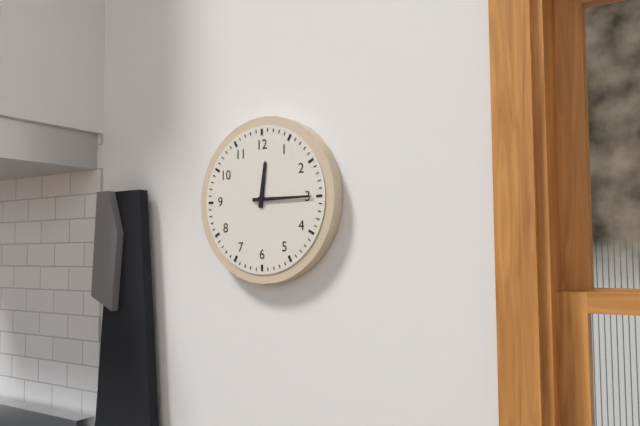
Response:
h=12 m=15
